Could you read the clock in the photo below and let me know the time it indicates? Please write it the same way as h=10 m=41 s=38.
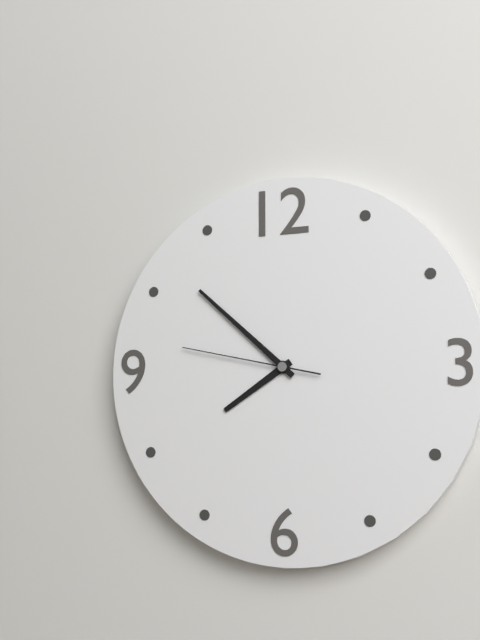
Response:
h=7 m=52 s=47
